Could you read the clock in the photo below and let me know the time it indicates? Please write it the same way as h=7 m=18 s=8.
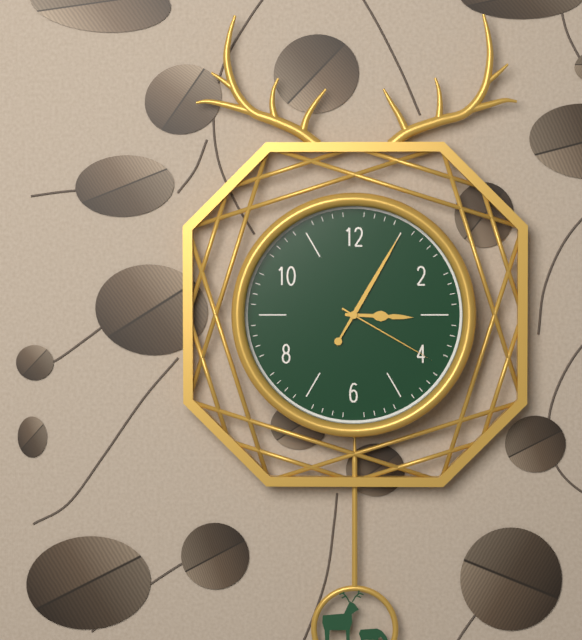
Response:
h=3 m=5 s=20
